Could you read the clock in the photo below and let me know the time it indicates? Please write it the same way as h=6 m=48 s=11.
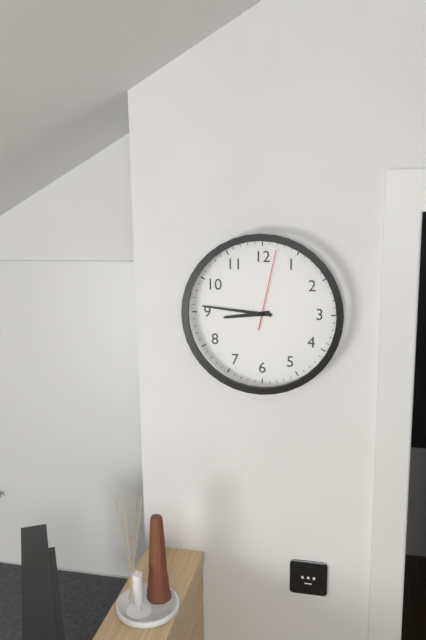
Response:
h=8 m=46 s=2
